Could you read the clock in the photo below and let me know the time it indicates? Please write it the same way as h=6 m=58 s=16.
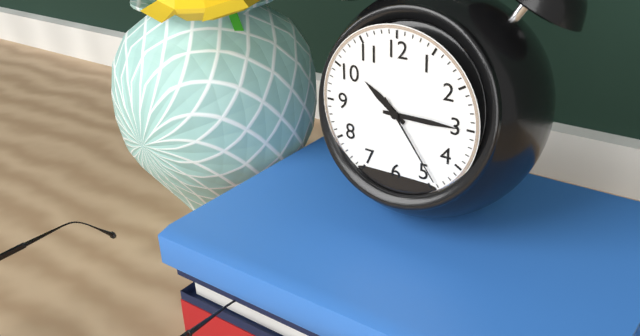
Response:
h=10 m=15 s=24
